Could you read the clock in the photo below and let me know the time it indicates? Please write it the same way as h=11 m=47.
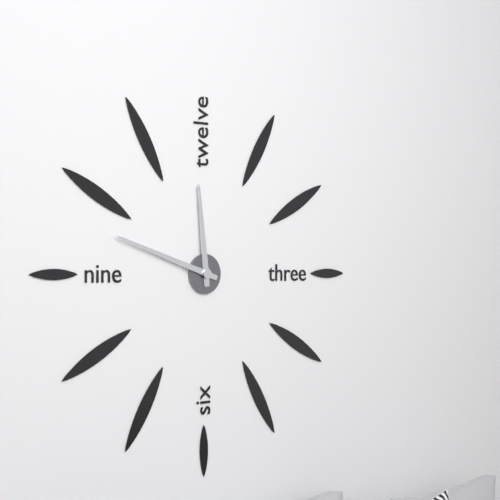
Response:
h=11 m=48
